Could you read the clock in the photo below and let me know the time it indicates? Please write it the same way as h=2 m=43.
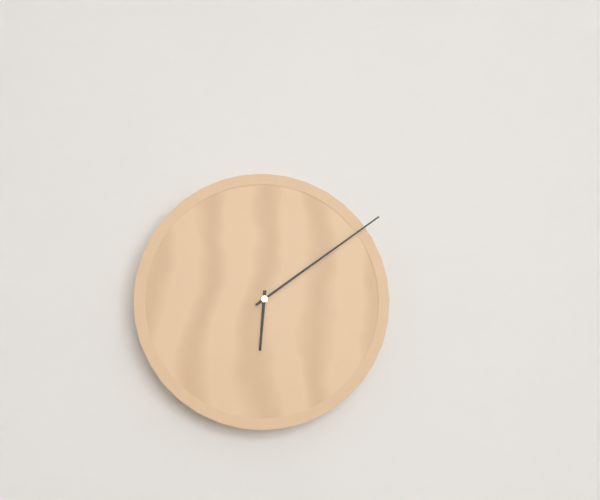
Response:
h=6 m=9
